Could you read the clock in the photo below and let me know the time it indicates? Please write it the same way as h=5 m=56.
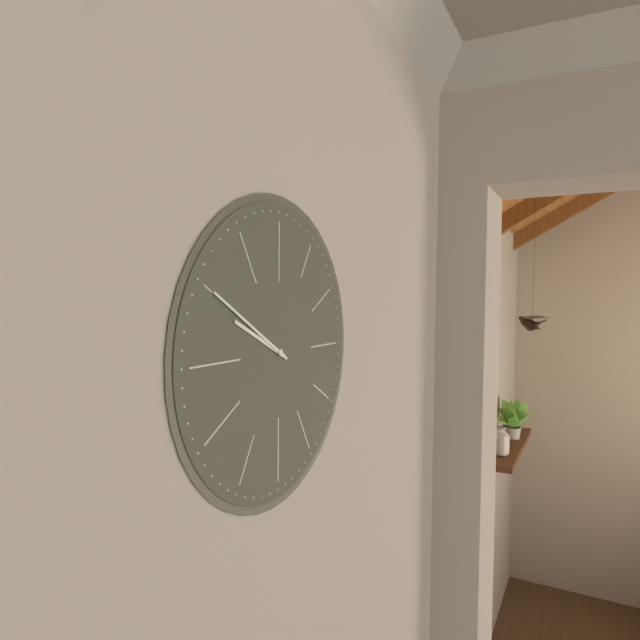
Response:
h=9 m=50
